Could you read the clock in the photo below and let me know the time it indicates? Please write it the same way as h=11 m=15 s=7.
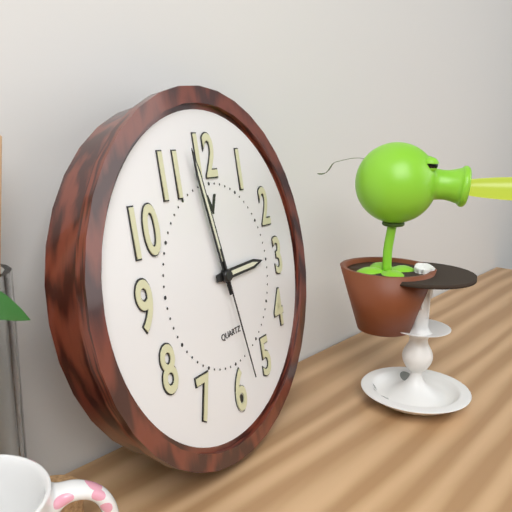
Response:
h=2 m=58 s=28
